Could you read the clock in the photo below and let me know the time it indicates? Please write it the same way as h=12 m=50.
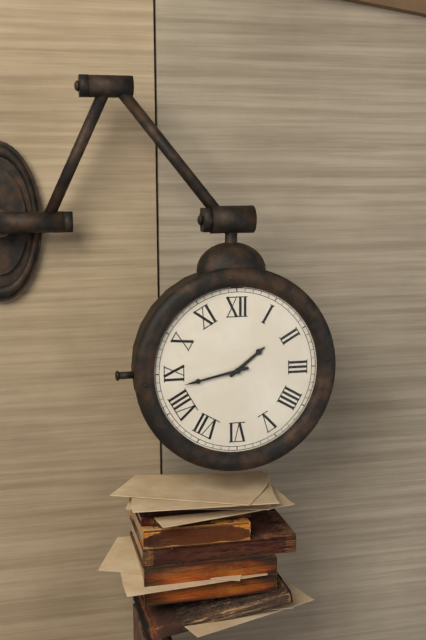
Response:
h=1 m=43
